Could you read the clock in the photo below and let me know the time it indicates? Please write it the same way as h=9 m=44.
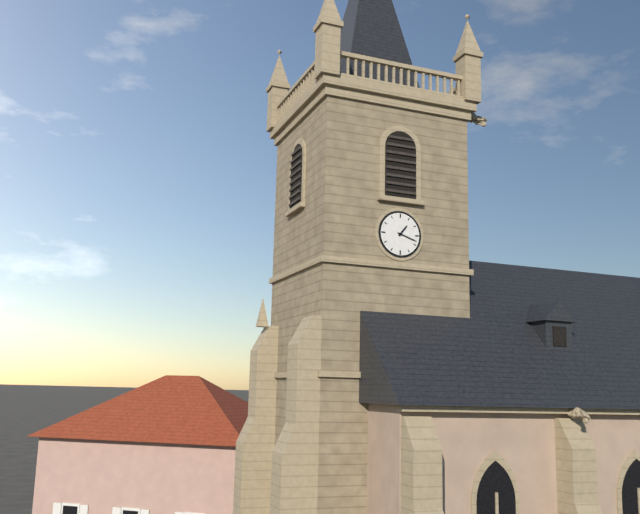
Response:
h=1 m=18
